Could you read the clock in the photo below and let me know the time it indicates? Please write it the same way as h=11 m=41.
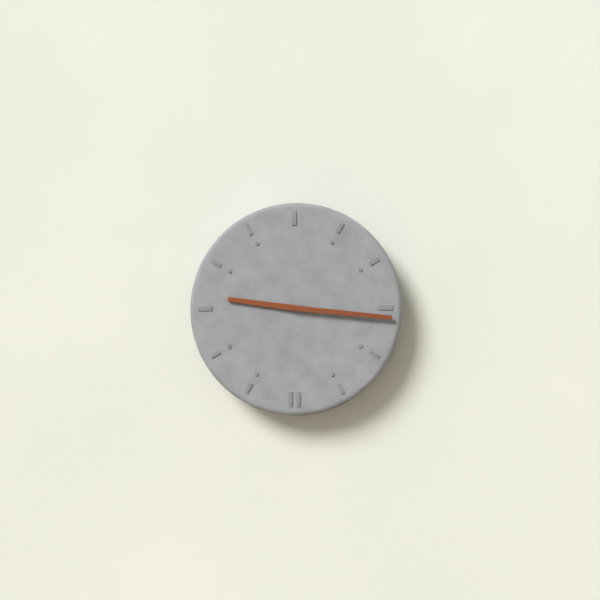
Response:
h=9 m=16
